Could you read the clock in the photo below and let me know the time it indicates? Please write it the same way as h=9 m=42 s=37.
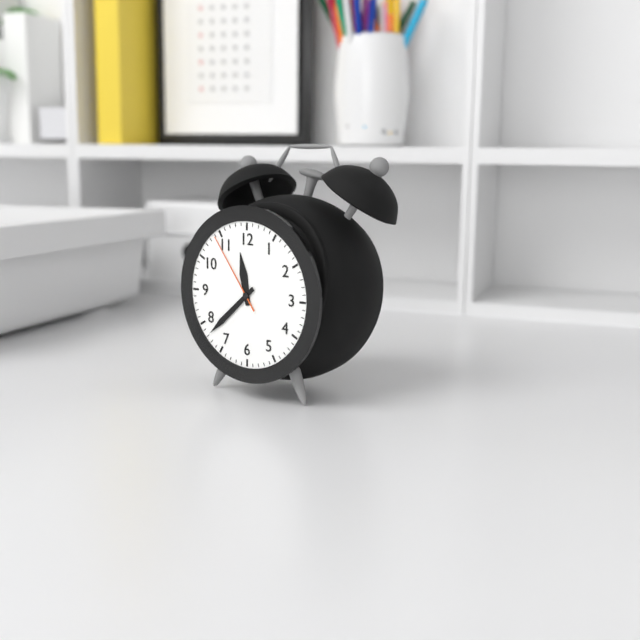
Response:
h=11 m=38 s=54
